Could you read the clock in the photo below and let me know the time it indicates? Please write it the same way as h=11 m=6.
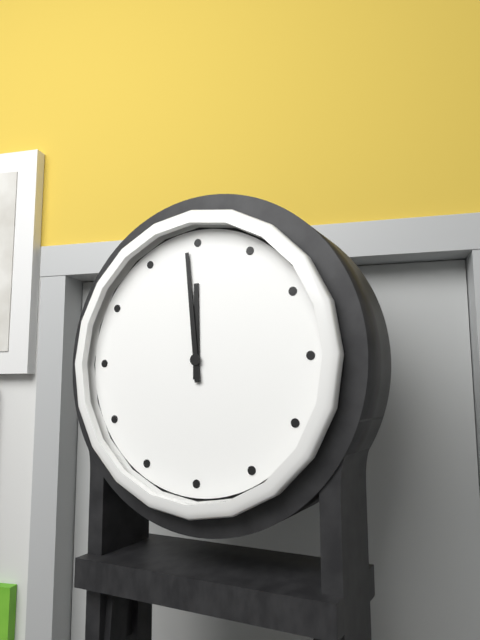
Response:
h=11 m=59
